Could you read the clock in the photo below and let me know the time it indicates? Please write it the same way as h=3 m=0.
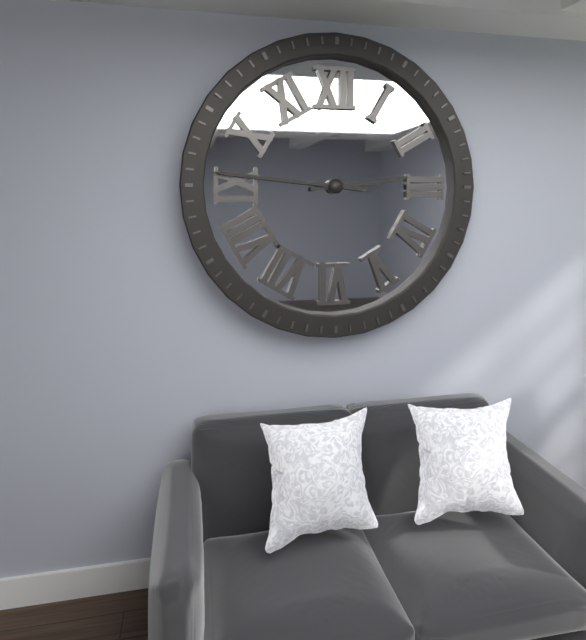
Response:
h=2 m=46
